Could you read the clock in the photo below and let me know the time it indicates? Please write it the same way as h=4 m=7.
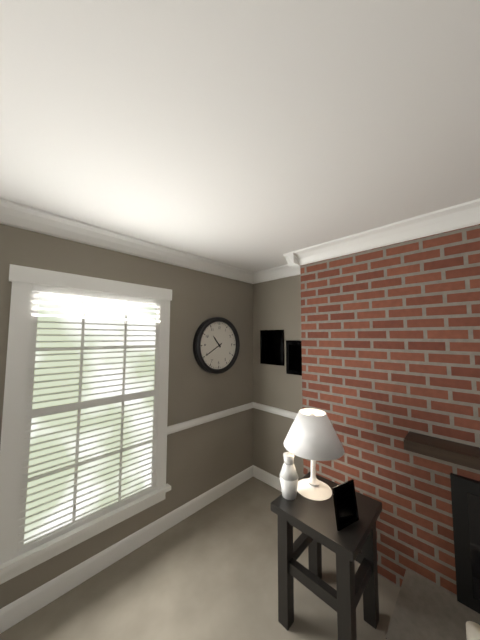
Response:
h=10 m=40
